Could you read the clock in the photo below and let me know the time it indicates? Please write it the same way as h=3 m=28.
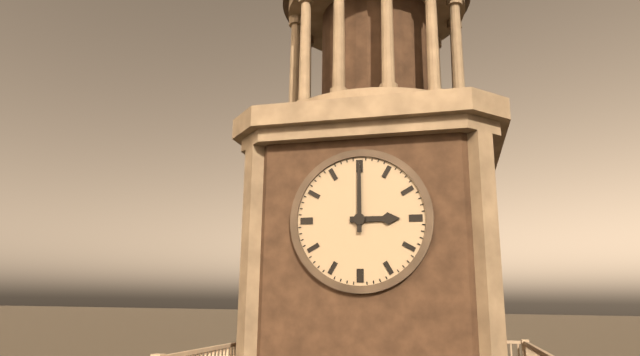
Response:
h=3 m=0
